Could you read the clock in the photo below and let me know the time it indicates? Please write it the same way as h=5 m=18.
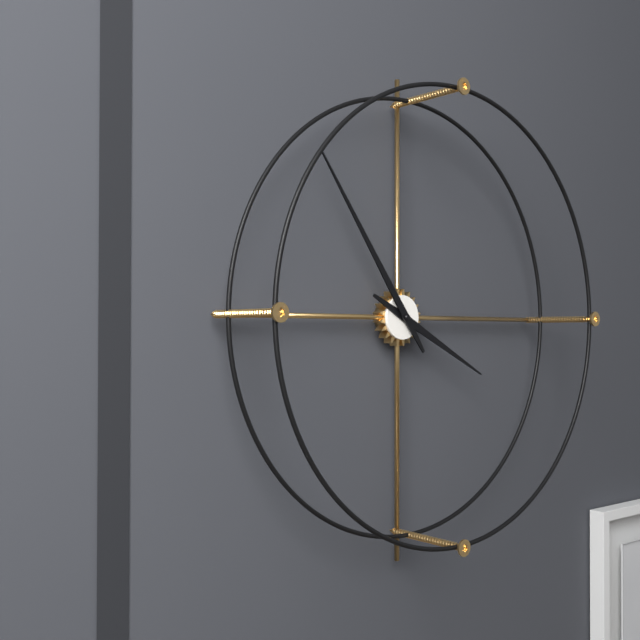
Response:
h=3 m=54
